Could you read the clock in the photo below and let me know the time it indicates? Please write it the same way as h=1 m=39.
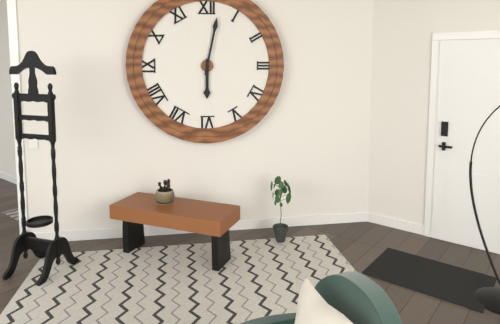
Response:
h=6 m=2
